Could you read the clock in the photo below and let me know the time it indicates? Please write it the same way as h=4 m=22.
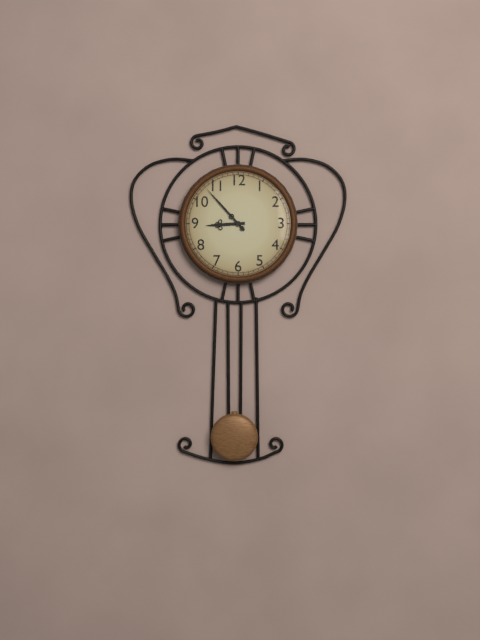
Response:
h=8 m=53
